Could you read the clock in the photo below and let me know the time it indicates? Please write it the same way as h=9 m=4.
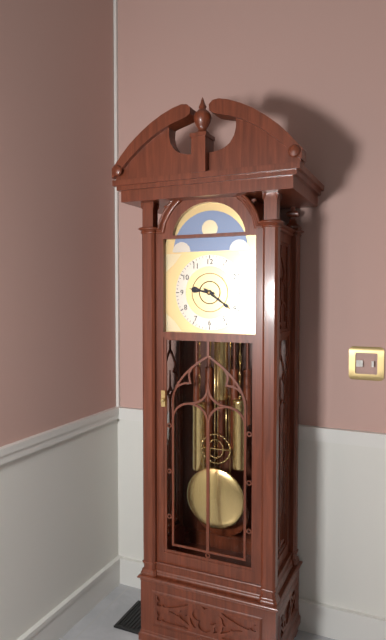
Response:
h=9 m=21
